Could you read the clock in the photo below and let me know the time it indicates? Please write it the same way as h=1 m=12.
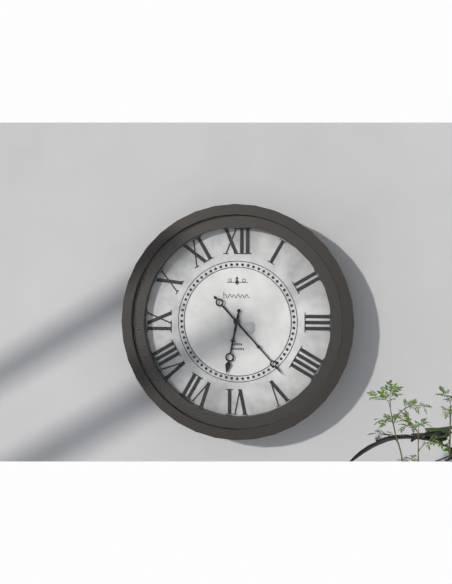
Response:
h=6 m=23
